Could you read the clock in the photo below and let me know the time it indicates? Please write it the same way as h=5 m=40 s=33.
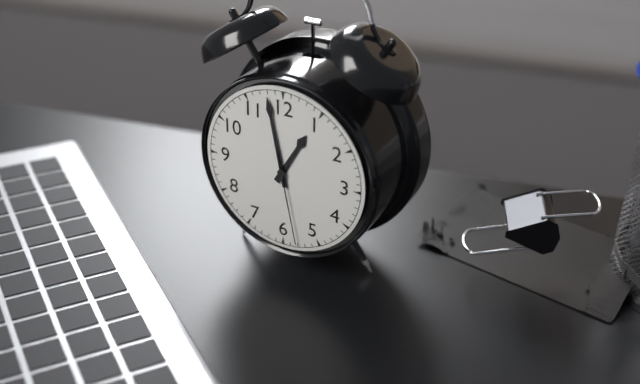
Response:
h=12 m=58 s=28
